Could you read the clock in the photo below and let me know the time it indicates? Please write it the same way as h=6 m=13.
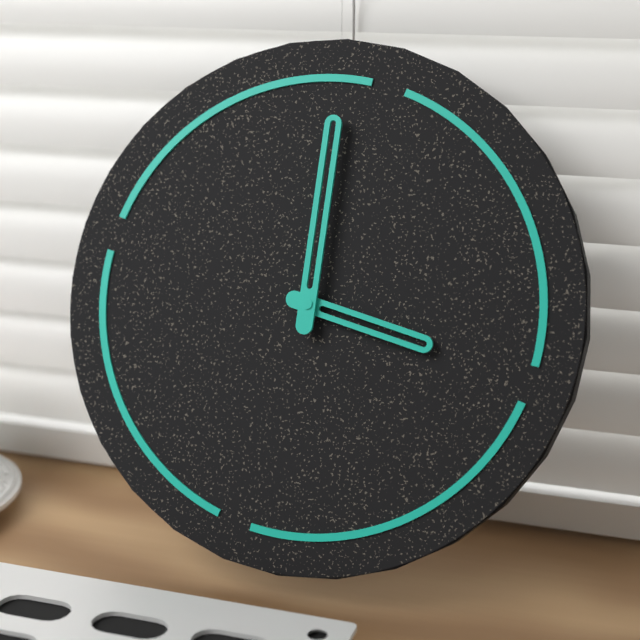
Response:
h=2 m=58
